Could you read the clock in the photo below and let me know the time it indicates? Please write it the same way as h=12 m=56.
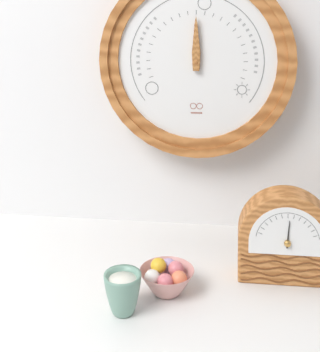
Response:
h=12 m=0
